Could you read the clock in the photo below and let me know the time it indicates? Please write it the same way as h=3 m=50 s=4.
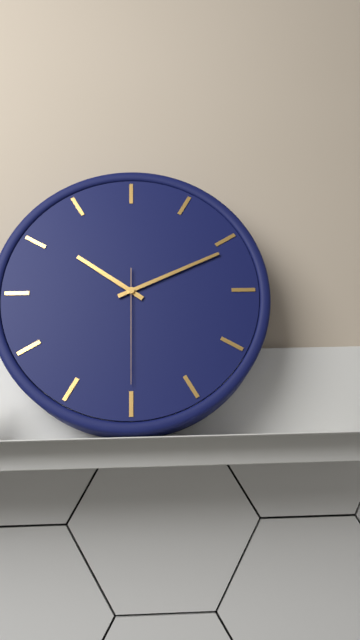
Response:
h=10 m=11 s=30
